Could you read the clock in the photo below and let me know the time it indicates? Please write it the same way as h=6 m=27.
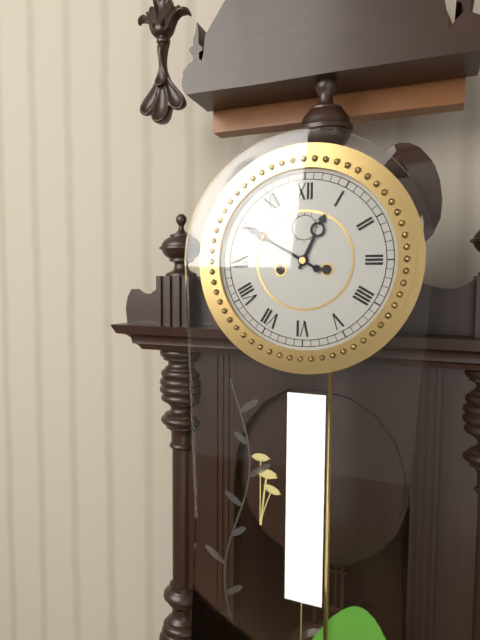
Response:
h=12 m=50
